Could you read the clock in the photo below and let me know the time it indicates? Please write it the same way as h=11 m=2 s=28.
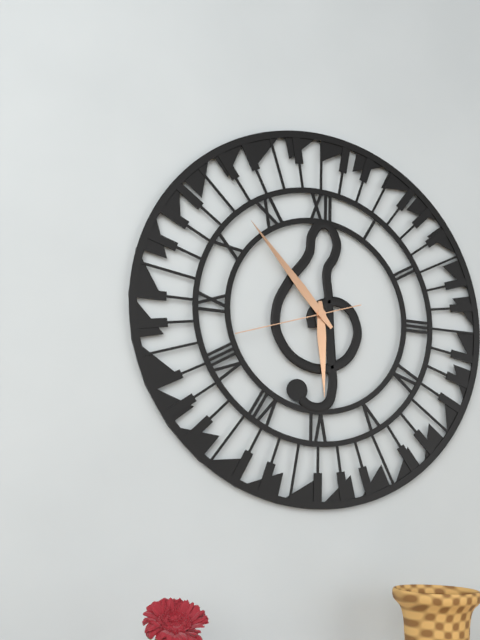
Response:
h=5 m=53 s=42
